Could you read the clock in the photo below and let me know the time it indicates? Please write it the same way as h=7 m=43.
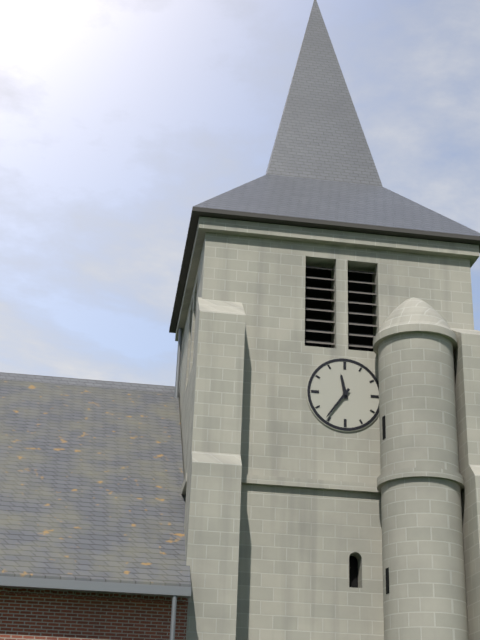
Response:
h=11 m=36
